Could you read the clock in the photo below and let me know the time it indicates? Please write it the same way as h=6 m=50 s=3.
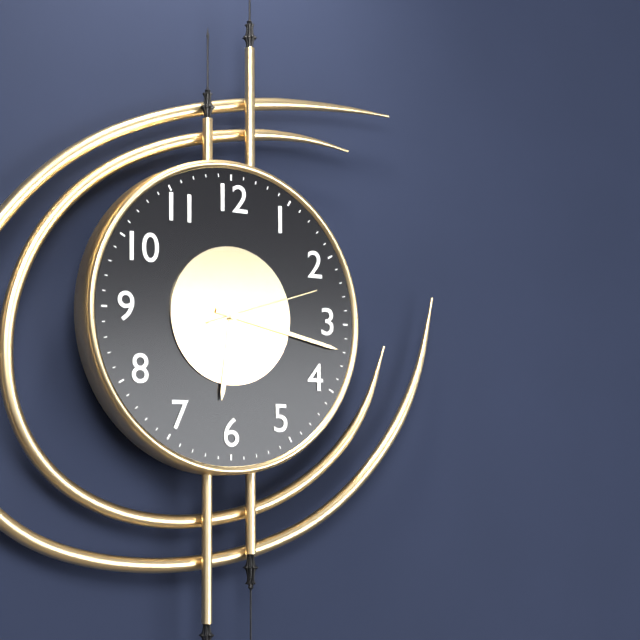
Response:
h=6 m=17 s=12
